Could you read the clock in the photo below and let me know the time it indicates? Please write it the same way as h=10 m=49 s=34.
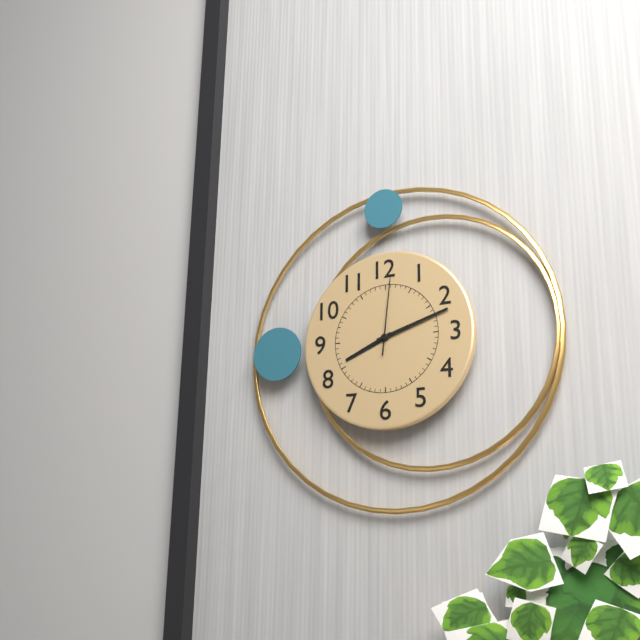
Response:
h=8 m=12 s=1
